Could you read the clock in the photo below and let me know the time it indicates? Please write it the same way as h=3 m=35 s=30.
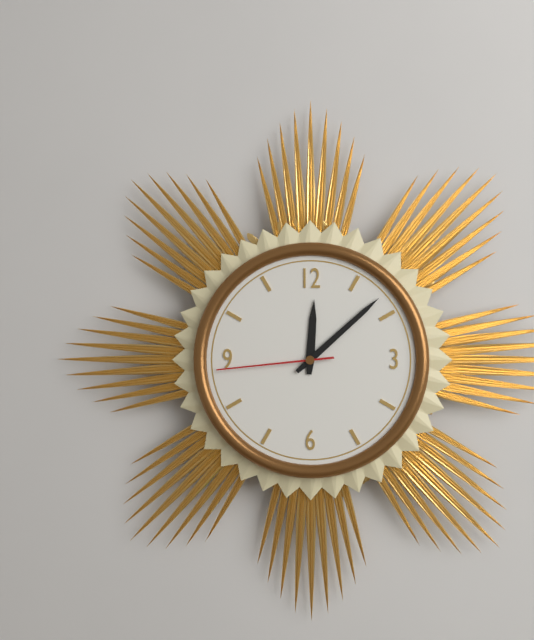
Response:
h=12 m=8 s=44
